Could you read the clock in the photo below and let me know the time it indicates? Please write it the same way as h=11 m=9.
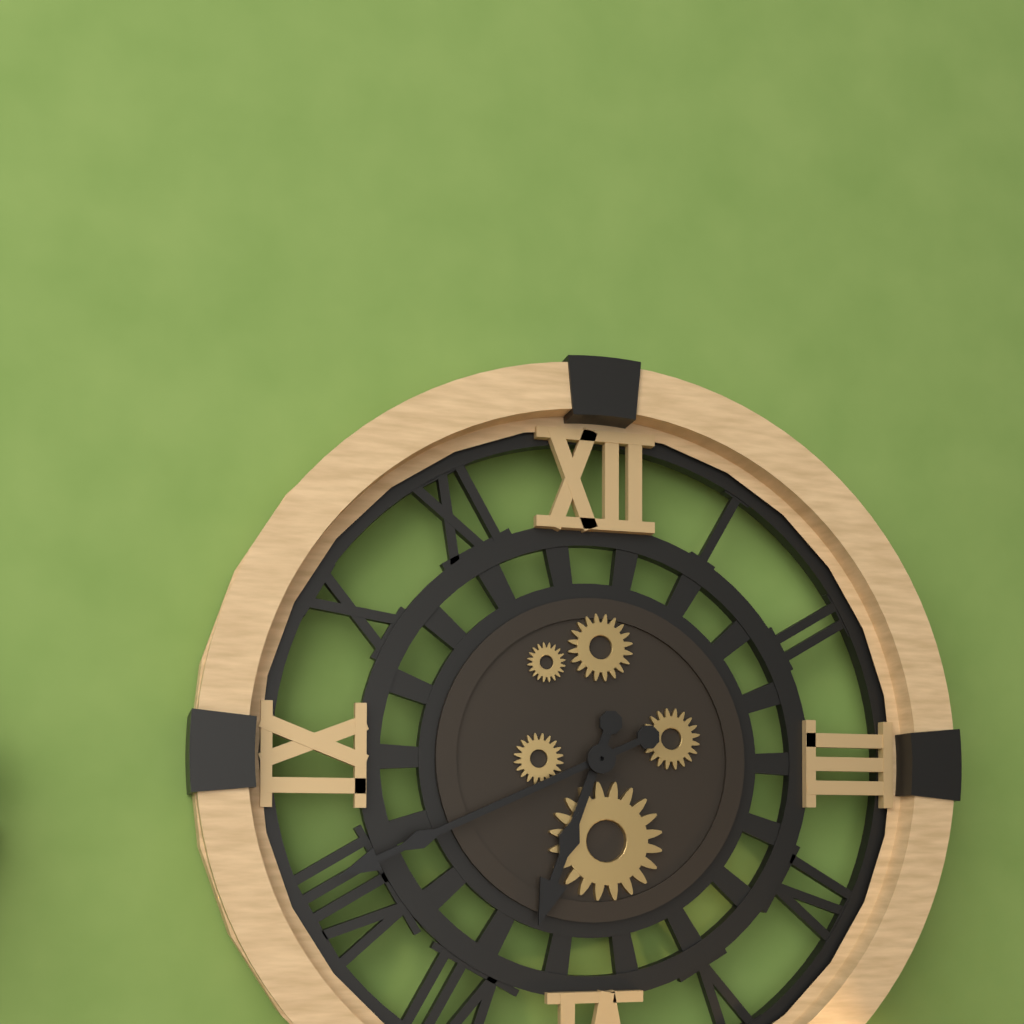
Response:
h=6 m=41
